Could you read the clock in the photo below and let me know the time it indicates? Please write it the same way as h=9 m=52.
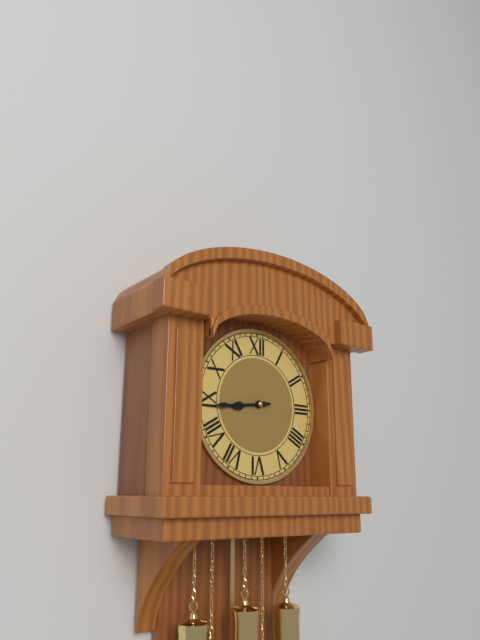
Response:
h=8 m=44
